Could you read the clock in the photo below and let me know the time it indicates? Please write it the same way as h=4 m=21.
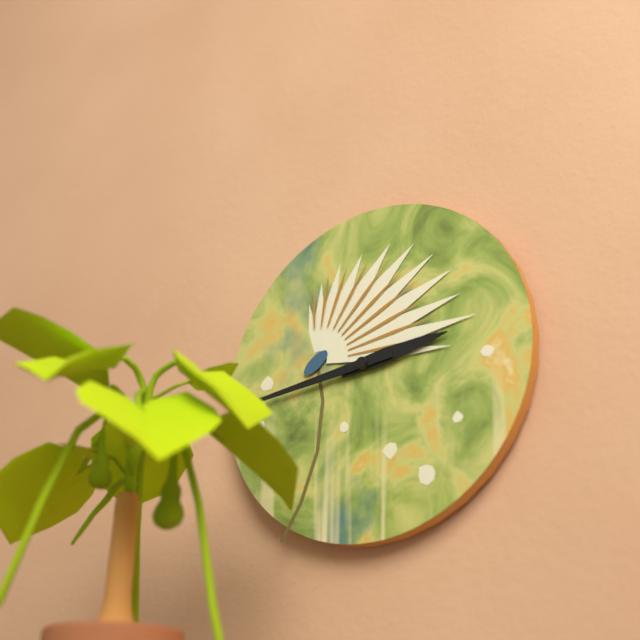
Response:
h=2 m=44
